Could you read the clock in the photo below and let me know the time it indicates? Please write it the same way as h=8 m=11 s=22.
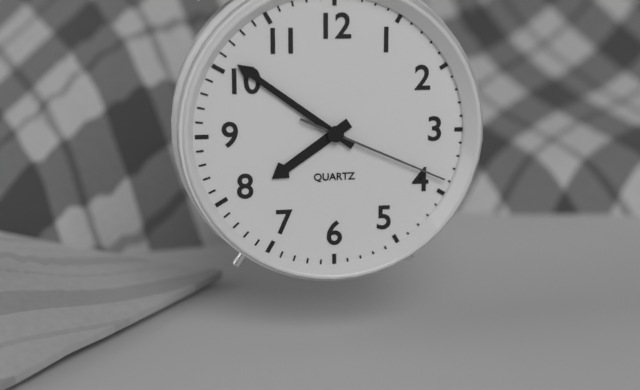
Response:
h=7 m=51 s=19
